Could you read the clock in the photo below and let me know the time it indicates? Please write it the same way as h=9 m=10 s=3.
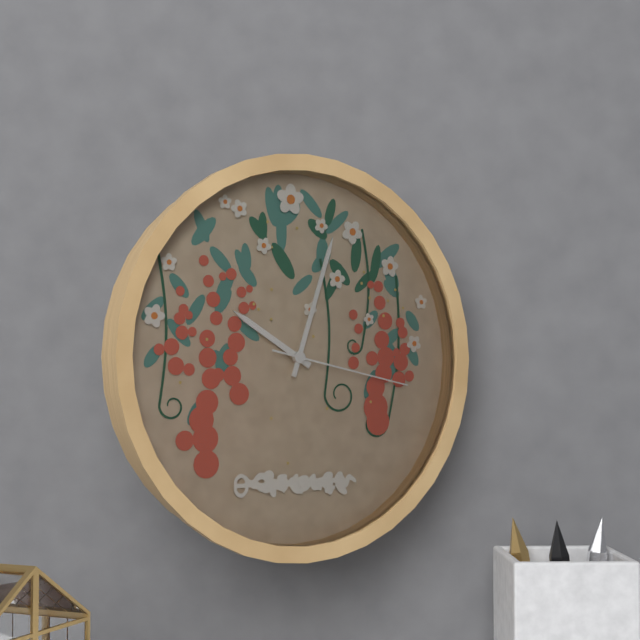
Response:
h=10 m=3 s=17
